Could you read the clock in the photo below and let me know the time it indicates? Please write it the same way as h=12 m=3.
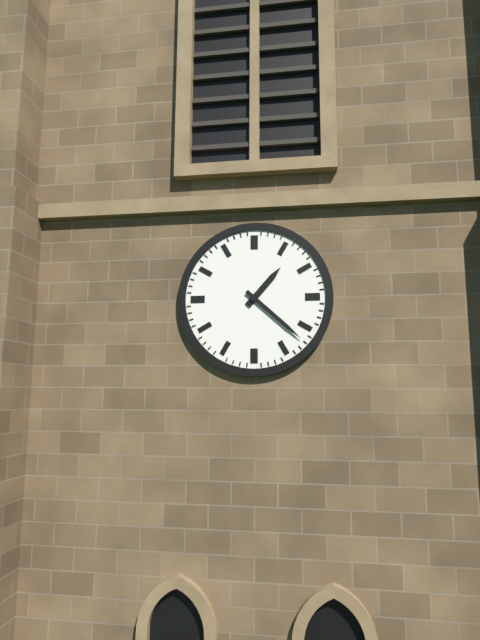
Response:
h=1 m=22
